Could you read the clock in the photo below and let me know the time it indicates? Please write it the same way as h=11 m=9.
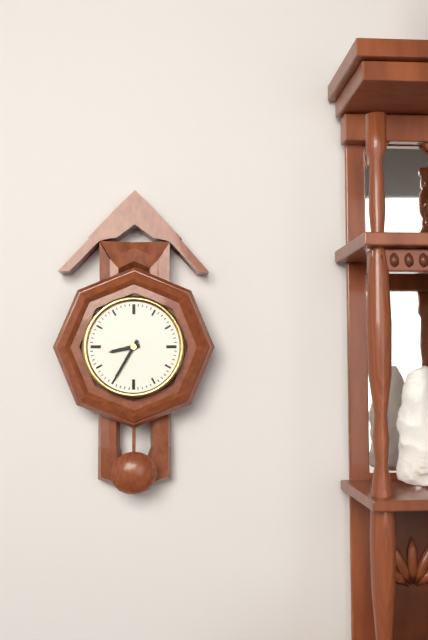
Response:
h=8 m=35
